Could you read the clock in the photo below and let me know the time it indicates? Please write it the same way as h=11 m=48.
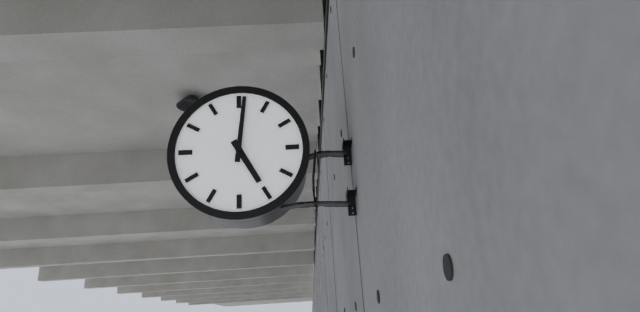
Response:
h=5 m=1
